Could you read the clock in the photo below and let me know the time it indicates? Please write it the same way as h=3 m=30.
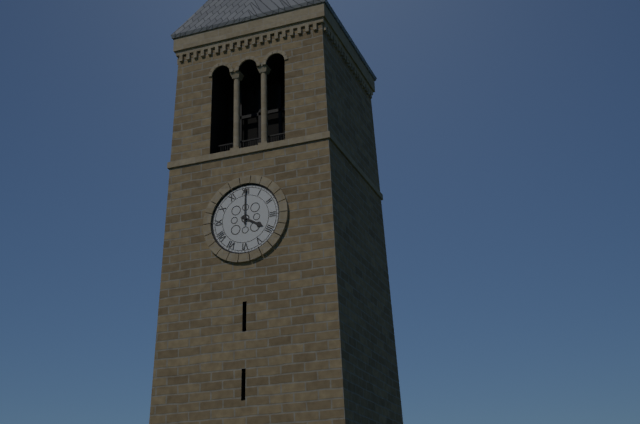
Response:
h=4 m=0
